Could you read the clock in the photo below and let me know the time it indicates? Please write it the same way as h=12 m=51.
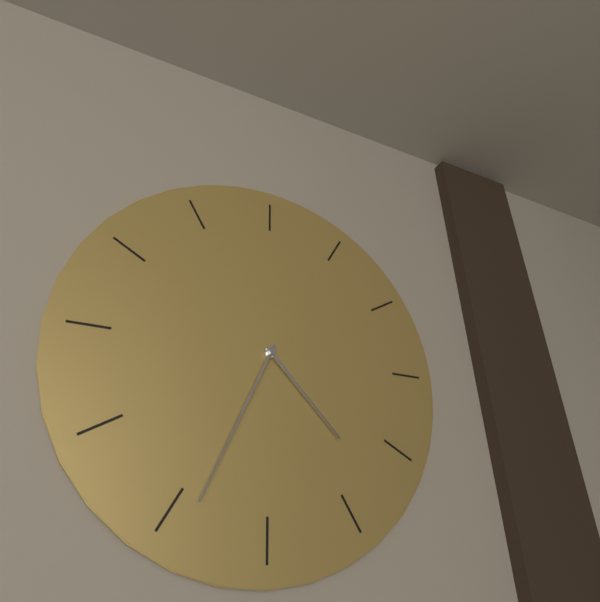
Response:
h=4 m=34
